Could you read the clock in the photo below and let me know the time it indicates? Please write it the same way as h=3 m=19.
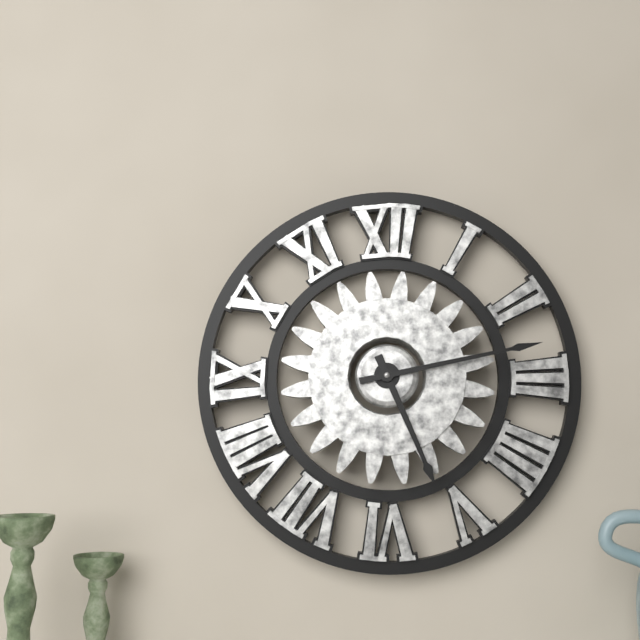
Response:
h=5 m=13
